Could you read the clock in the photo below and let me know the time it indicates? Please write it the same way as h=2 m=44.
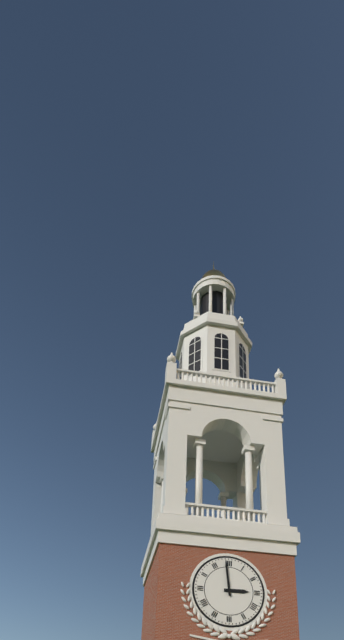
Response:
h=2 m=59
